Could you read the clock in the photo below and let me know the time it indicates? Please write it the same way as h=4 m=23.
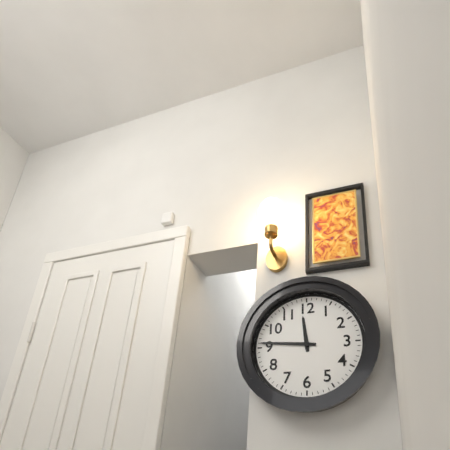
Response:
h=11 m=46
